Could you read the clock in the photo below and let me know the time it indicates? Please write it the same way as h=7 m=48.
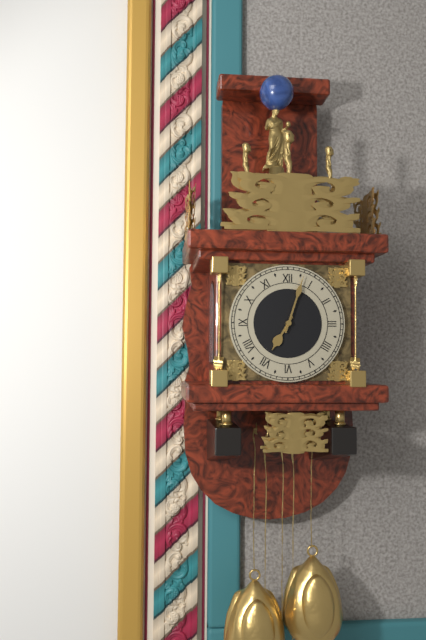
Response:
h=7 m=3
